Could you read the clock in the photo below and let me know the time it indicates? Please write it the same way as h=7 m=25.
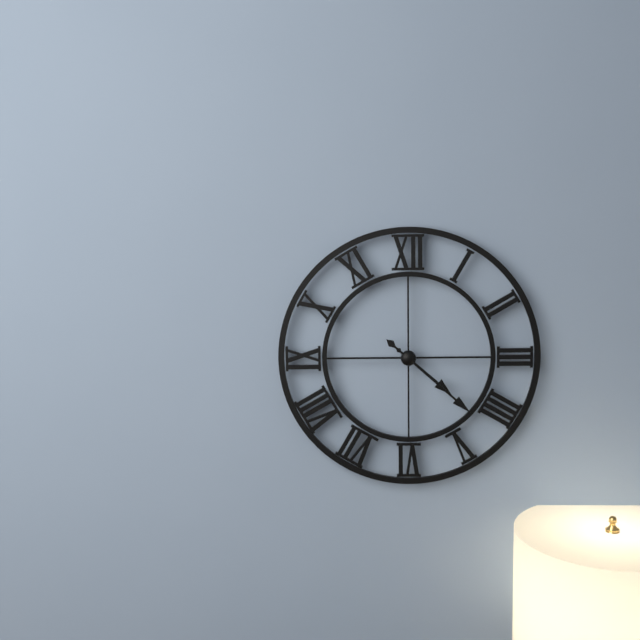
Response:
h=4 m=22
